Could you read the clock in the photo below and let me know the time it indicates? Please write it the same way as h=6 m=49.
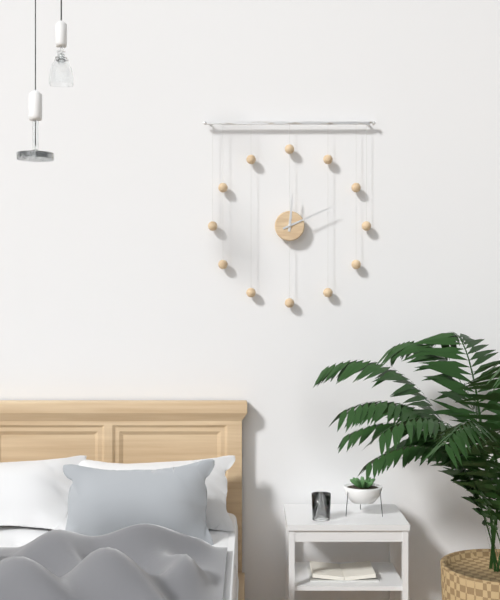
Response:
h=12 m=11
